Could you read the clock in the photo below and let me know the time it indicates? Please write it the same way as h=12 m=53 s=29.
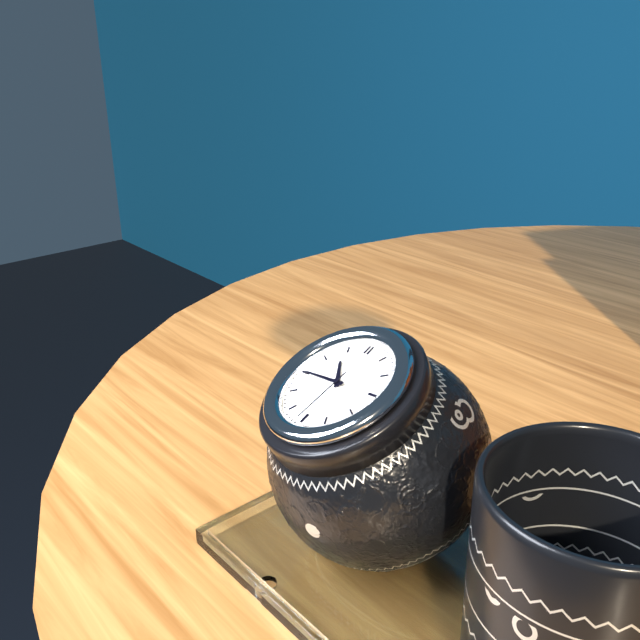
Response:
h=10 m=45 s=31
